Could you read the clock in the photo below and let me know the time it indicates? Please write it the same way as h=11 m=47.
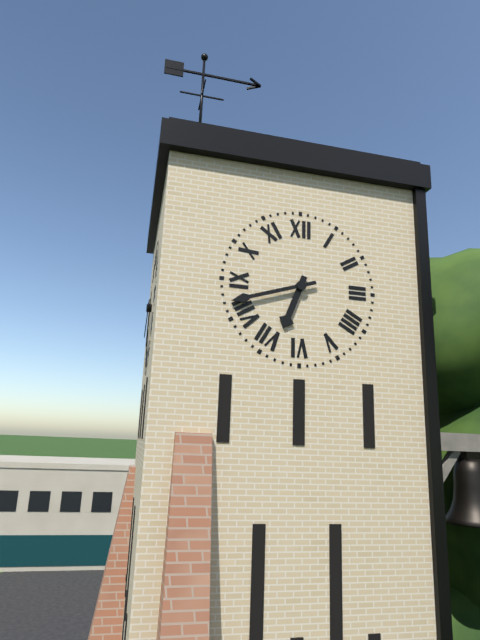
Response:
h=6 m=42
